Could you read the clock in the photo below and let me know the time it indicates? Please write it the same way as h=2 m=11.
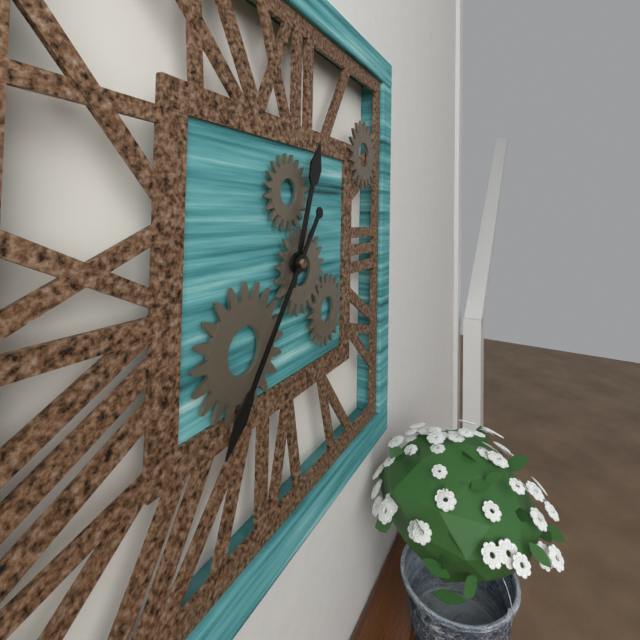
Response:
h=12 m=36
